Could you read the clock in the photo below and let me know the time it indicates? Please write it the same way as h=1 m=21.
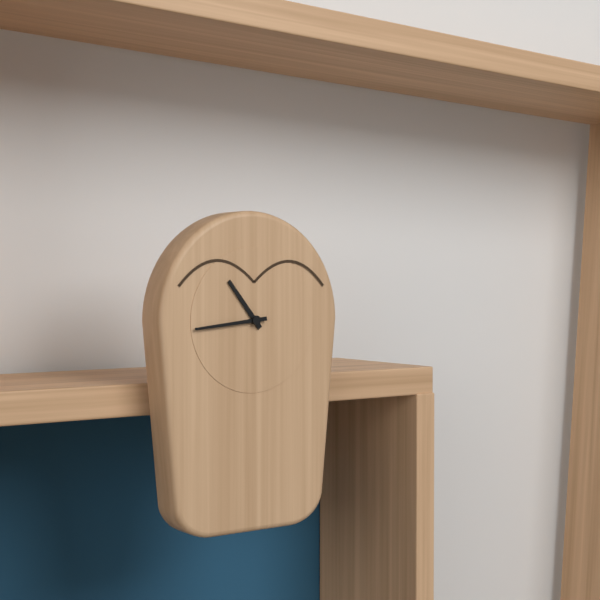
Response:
h=10 m=44
